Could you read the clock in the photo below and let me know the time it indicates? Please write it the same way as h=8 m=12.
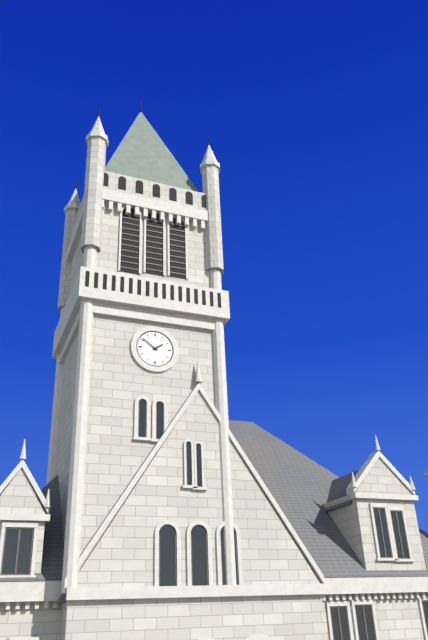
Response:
h=1 m=51
